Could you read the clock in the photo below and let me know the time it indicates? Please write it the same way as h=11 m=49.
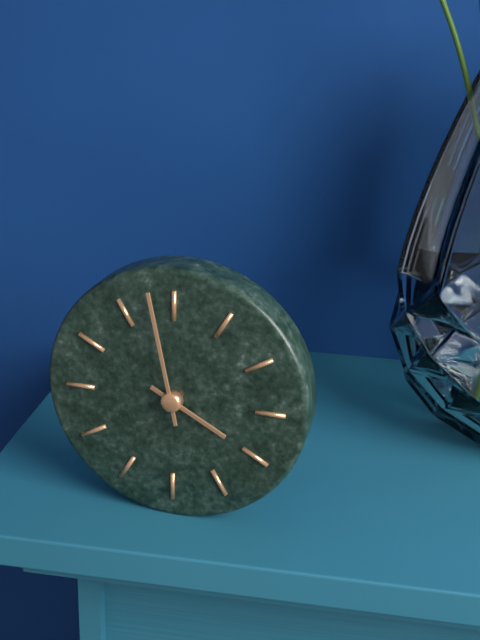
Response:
h=3 m=58
